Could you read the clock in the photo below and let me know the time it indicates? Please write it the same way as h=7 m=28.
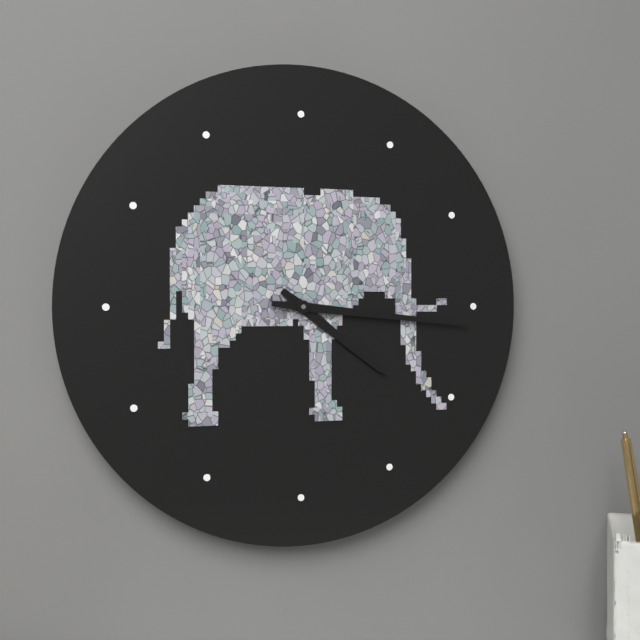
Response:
h=4 m=16
